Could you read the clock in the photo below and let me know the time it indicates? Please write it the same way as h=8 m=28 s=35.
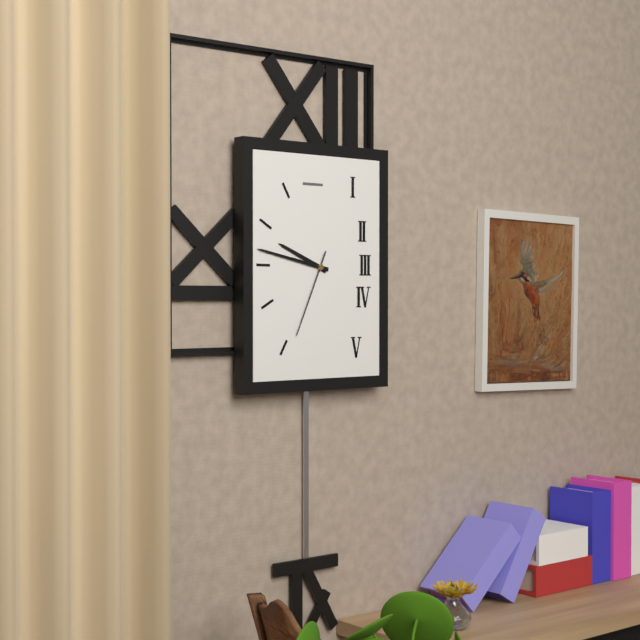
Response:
h=9 m=47 s=34
